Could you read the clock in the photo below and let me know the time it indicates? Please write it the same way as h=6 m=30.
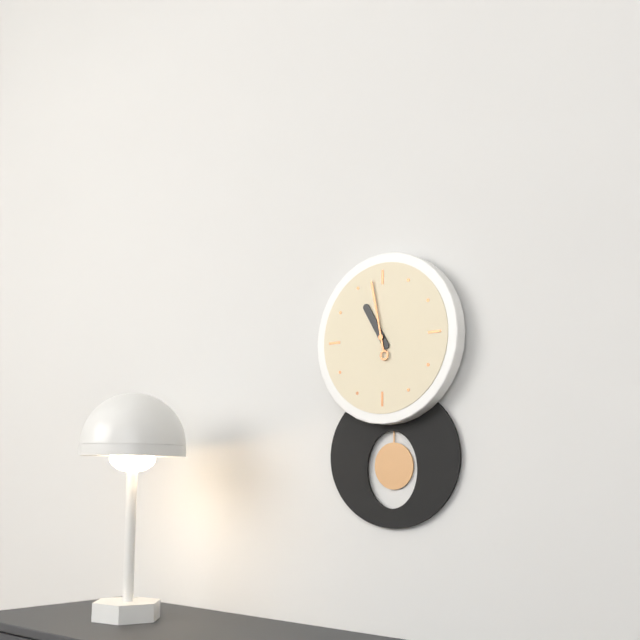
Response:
h=10 m=58
